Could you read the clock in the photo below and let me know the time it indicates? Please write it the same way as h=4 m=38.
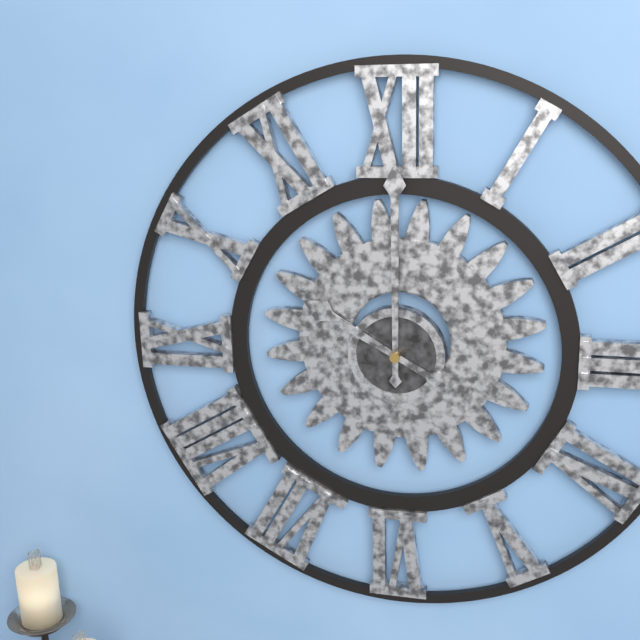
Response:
h=10 m=0
